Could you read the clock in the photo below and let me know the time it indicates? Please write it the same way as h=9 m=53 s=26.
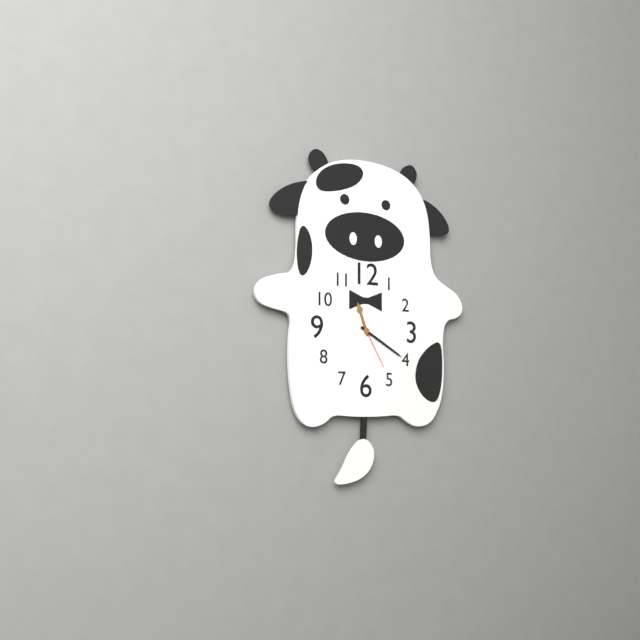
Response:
h=11 m=20 s=25
